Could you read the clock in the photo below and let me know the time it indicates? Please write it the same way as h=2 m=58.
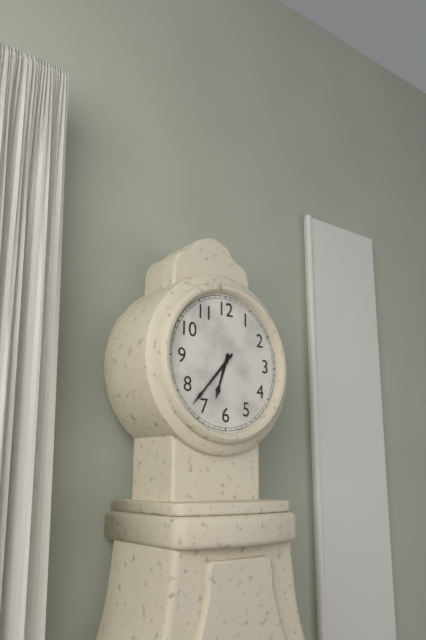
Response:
h=6 m=37
